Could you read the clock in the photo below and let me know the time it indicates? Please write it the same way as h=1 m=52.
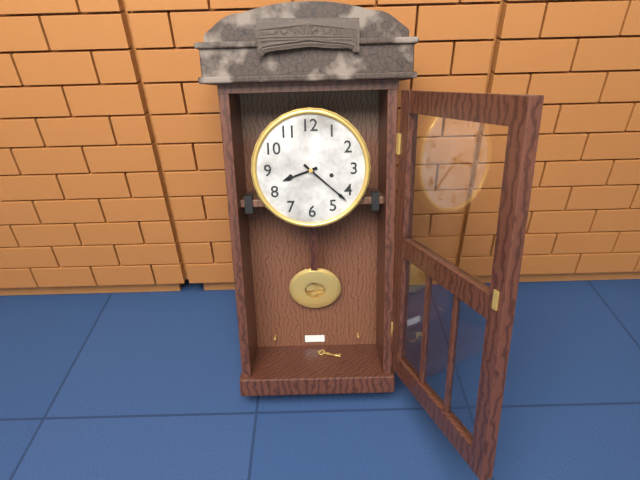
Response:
h=8 m=22
